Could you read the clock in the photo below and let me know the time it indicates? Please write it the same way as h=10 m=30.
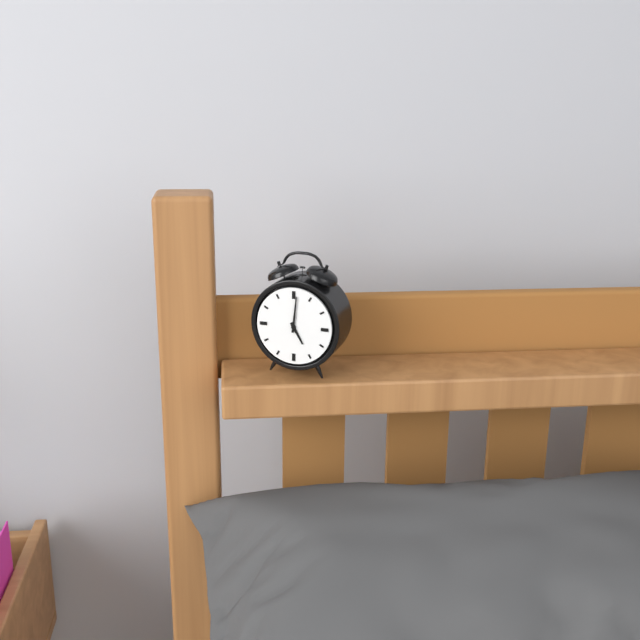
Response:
h=5 m=1
